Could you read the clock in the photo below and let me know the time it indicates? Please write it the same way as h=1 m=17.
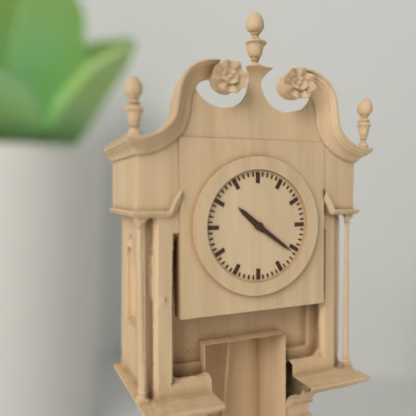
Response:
h=10 m=21
